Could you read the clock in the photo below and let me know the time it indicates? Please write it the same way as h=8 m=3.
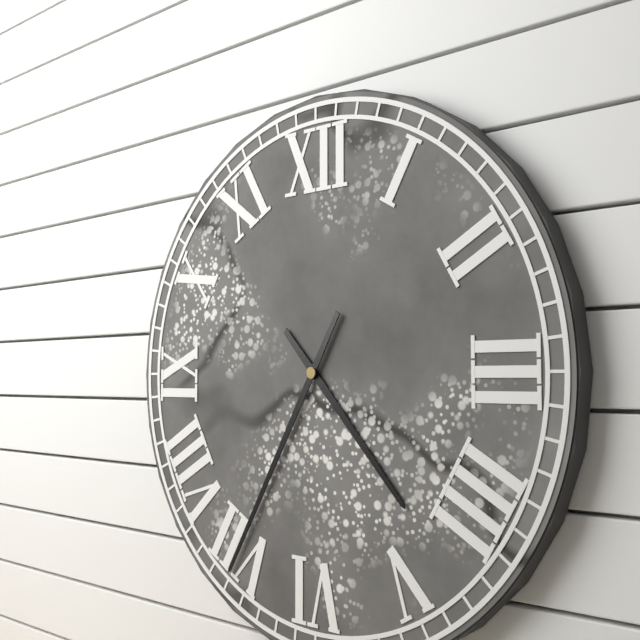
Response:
h=4 m=35
